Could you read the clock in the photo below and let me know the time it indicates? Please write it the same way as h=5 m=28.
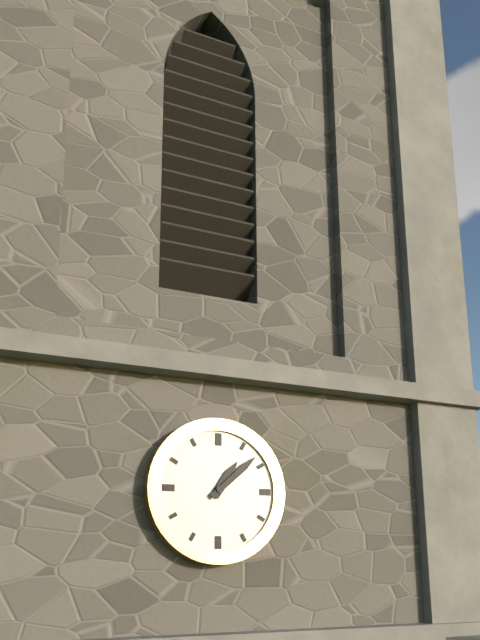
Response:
h=1 m=8
